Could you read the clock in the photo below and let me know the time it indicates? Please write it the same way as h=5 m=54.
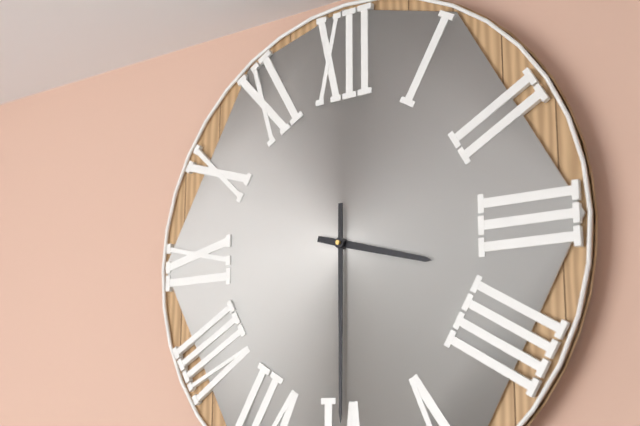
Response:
h=3 m=30
